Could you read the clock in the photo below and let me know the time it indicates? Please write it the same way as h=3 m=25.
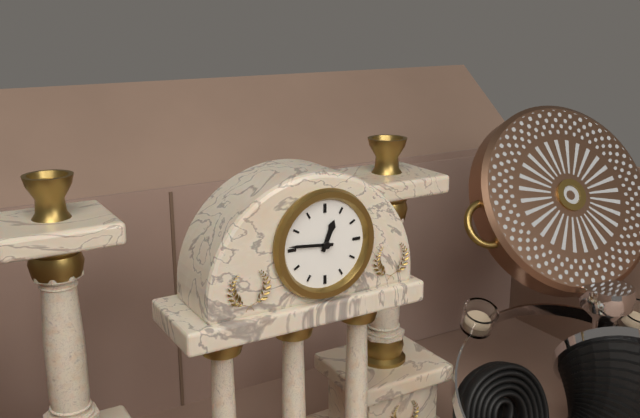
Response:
h=12 m=46
